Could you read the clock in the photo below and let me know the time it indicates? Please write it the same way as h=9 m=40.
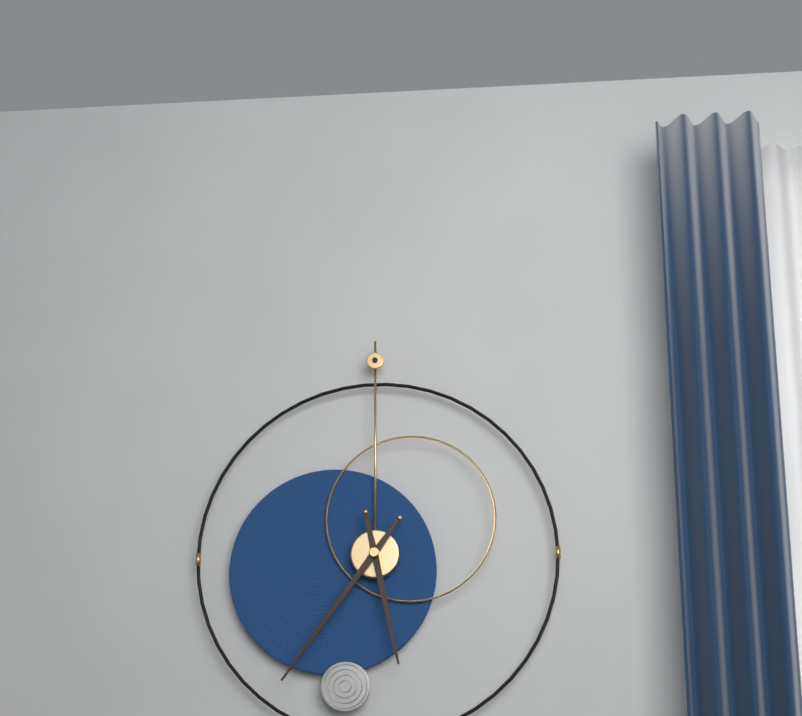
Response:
h=5 m=36
